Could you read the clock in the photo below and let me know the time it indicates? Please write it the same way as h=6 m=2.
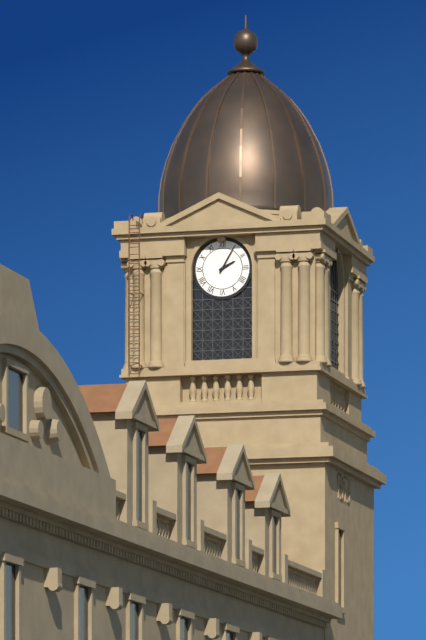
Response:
h=2 m=5
